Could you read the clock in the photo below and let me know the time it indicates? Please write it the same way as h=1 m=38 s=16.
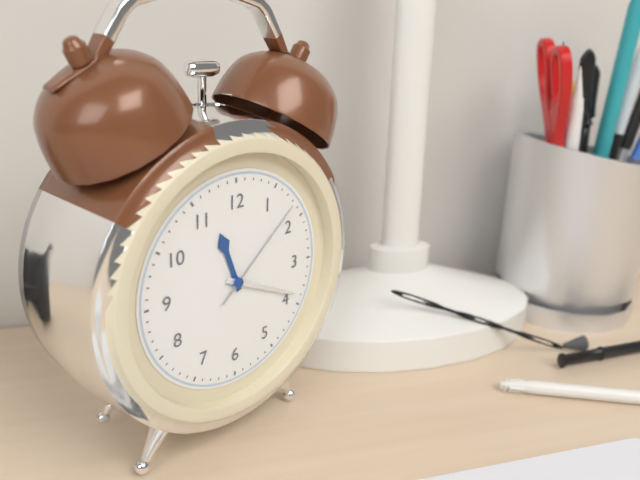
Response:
h=11 m=19 s=8
